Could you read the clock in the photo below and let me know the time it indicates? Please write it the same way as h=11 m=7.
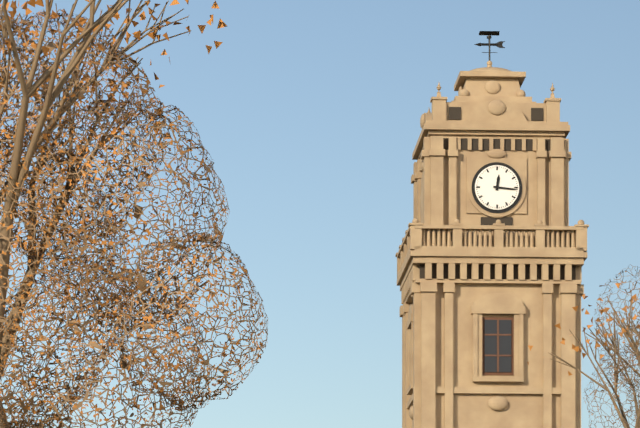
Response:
h=12 m=16
